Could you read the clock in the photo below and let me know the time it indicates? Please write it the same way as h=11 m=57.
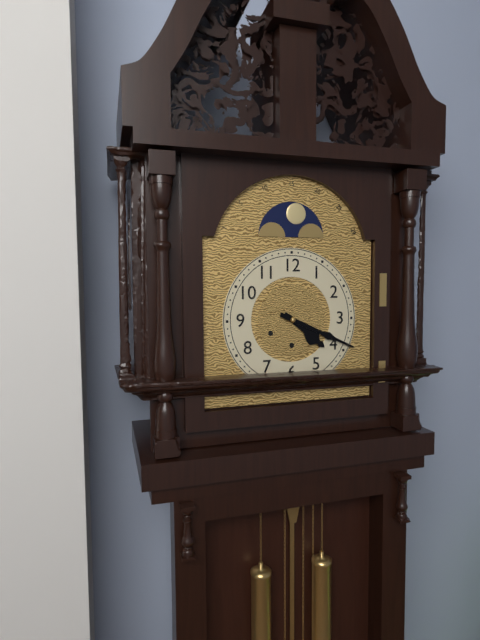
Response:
h=4 m=19
